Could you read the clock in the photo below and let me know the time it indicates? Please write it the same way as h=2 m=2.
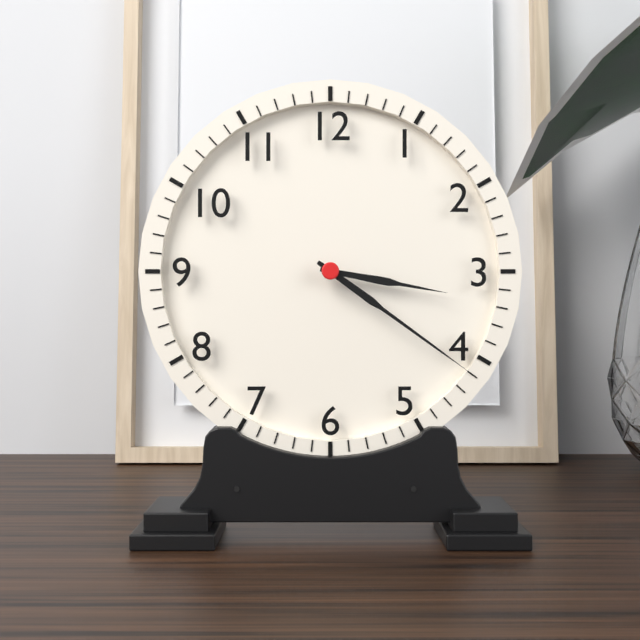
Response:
h=3 m=21
